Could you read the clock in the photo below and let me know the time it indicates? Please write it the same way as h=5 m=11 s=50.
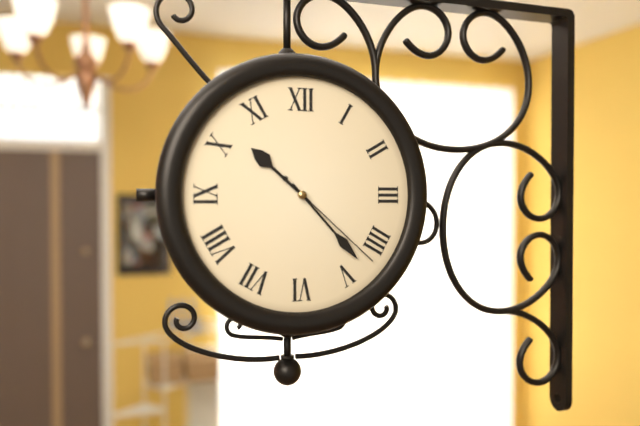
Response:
h=10 m=23 s=22
